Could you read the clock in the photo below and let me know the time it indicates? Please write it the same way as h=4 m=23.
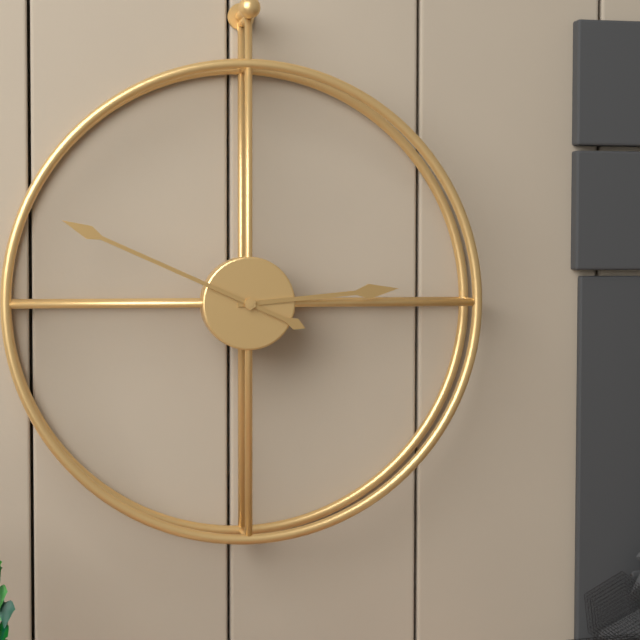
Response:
h=2 m=49
